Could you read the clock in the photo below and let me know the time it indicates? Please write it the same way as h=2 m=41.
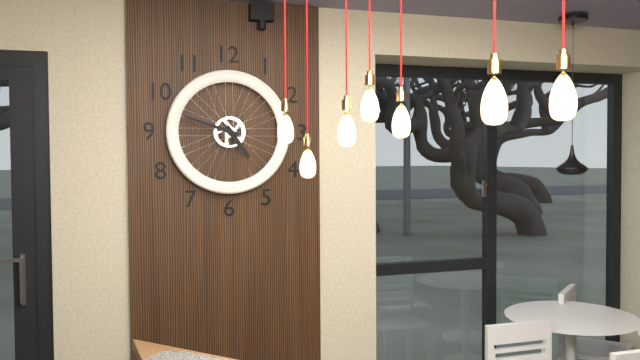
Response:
h=4 m=48
